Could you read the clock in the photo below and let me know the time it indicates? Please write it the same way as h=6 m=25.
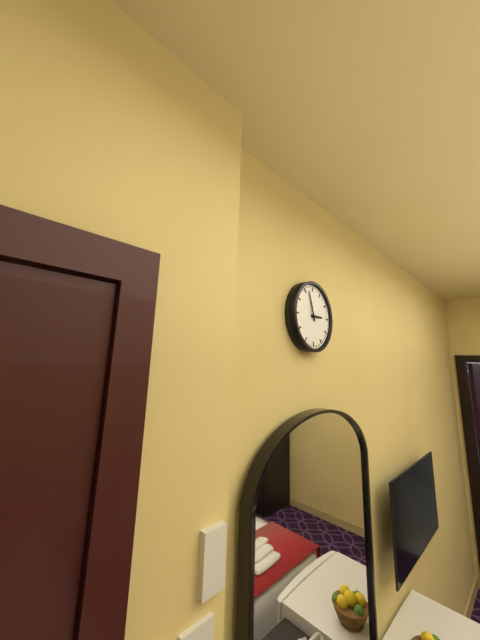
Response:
h=2 m=57
